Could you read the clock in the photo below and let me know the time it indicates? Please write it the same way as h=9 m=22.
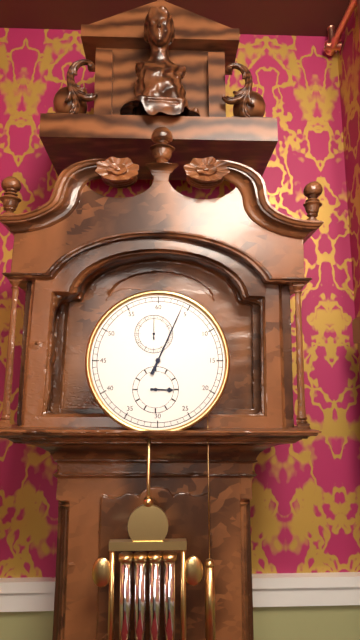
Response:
h=3 m=4
